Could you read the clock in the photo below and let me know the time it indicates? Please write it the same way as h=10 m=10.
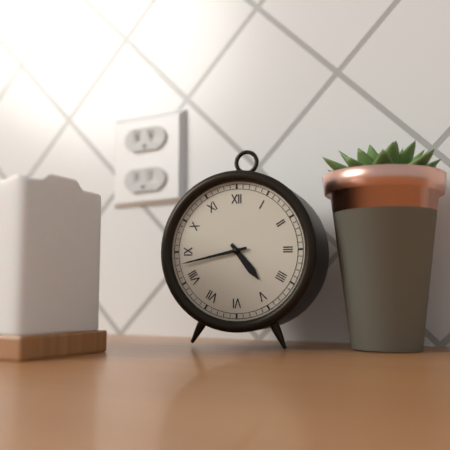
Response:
h=4 m=43
